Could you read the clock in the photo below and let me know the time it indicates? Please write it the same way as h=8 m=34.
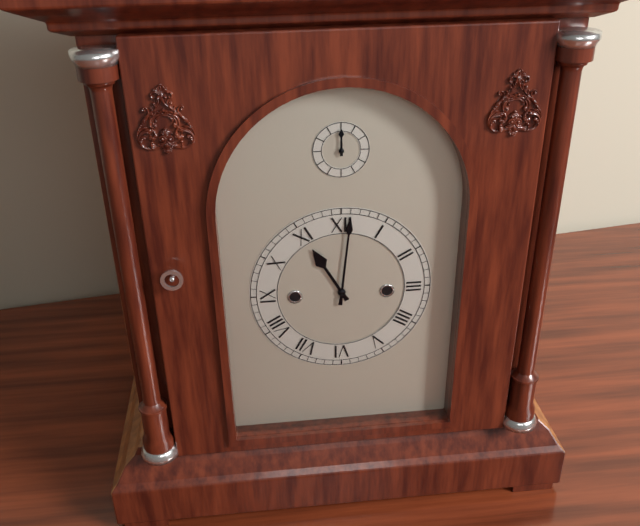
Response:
h=11 m=1
